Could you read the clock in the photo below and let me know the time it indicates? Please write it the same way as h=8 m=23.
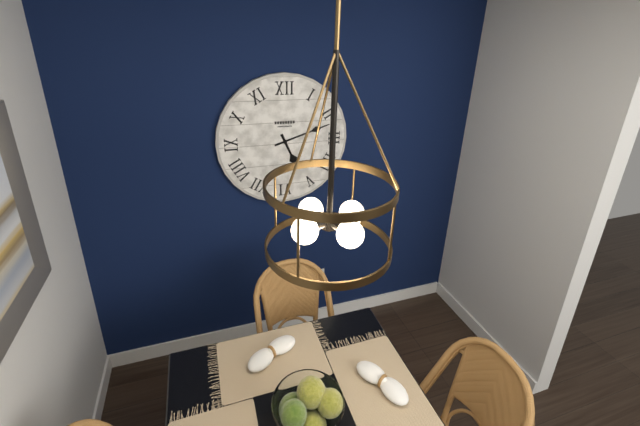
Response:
h=5 m=12
